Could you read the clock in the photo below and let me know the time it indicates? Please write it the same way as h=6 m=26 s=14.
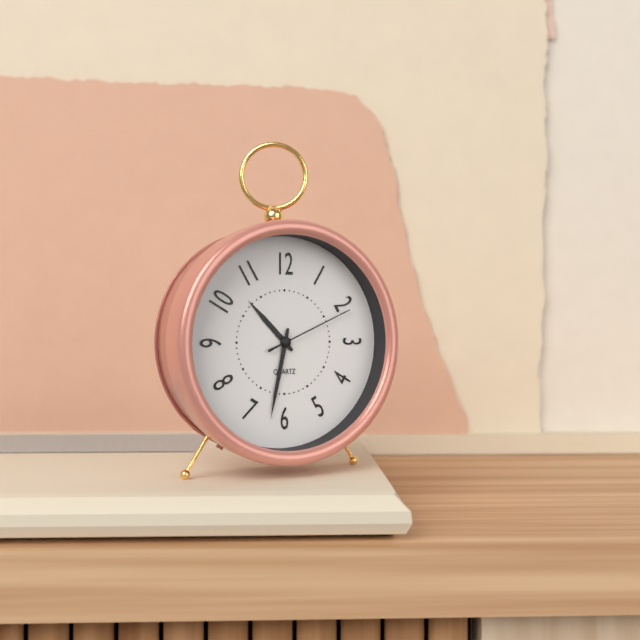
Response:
h=10 m=32 s=11
